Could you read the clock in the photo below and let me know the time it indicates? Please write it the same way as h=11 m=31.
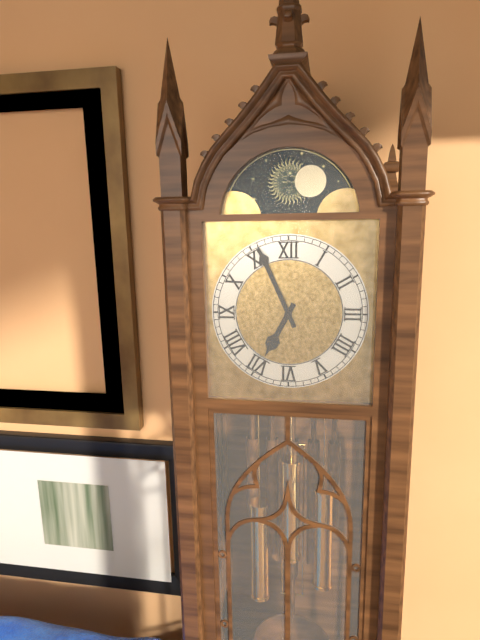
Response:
h=6 m=56
